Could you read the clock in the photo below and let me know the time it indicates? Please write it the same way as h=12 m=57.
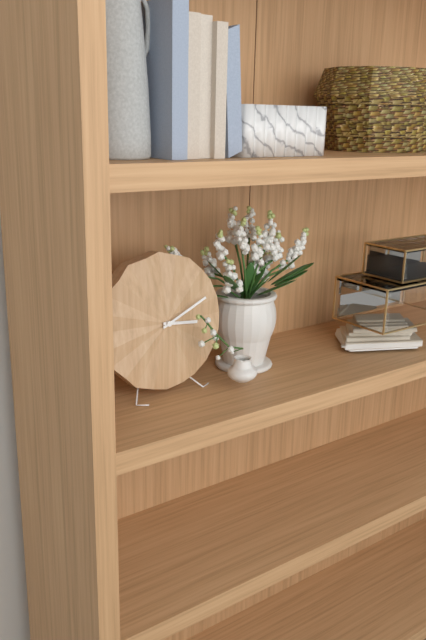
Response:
h=3 m=11
